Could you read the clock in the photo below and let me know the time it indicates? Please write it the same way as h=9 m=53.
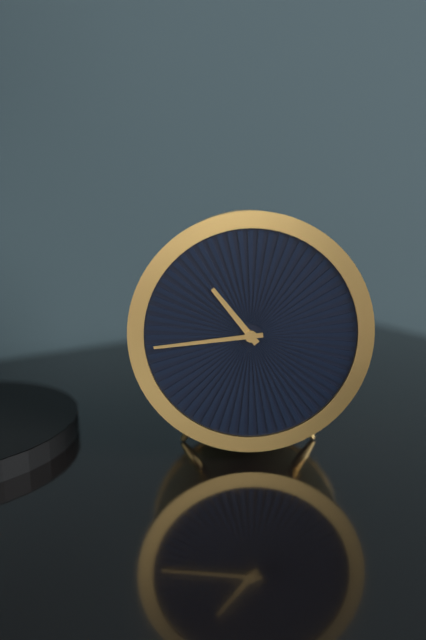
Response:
h=10 m=44
